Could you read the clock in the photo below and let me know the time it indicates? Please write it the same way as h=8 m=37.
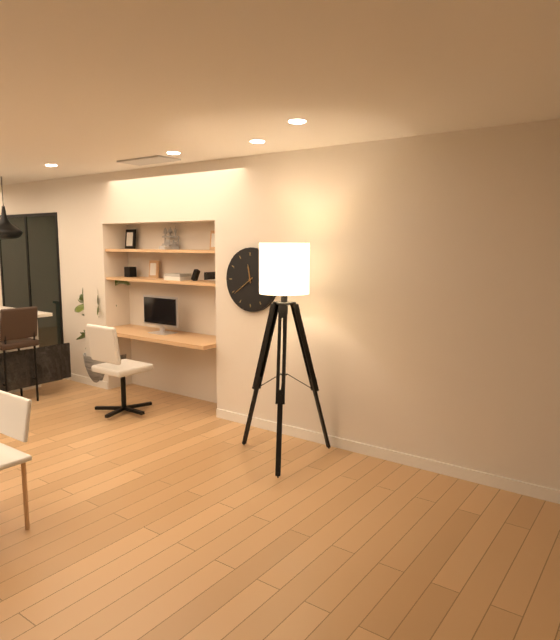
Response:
h=11 m=39
